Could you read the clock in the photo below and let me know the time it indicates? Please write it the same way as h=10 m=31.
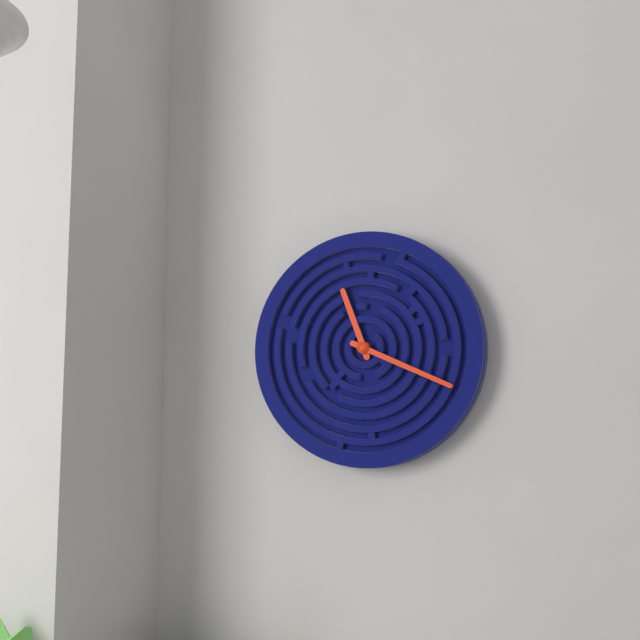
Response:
h=11 m=19
